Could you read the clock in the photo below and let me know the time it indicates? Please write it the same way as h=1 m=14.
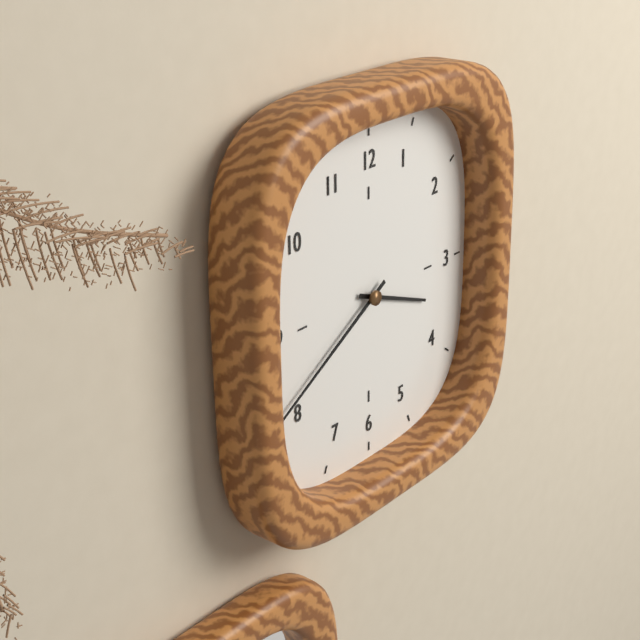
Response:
h=3 m=40
